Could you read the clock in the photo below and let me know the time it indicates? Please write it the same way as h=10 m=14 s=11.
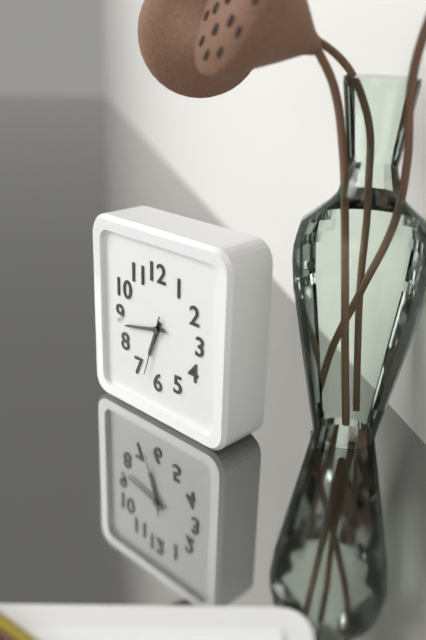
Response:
h=6 m=43 s=33
